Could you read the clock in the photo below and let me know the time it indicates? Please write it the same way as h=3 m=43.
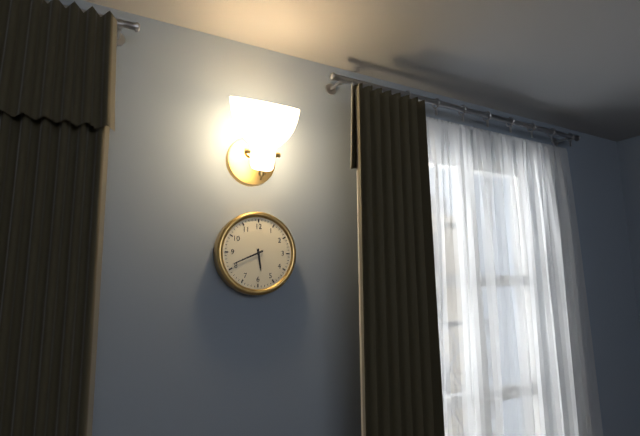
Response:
h=5 m=41
